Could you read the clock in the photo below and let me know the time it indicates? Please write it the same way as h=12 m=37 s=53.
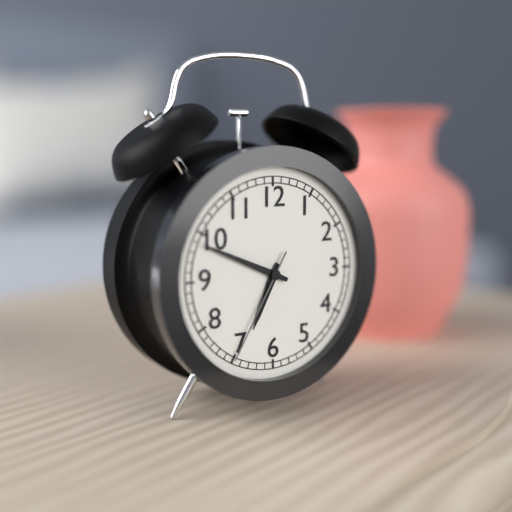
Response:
h=6 m=49 s=35
